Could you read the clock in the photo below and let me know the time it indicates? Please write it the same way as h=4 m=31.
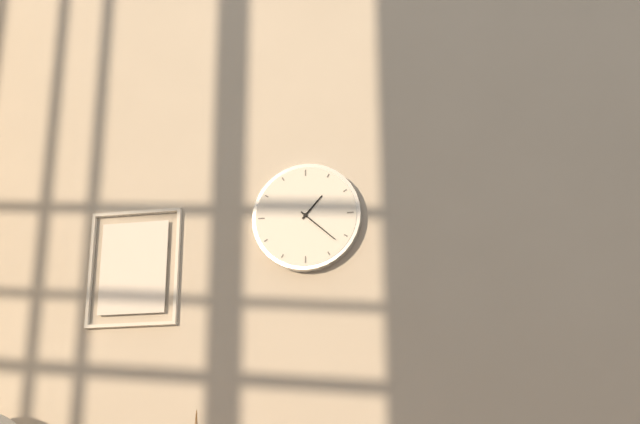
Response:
h=1 m=22
